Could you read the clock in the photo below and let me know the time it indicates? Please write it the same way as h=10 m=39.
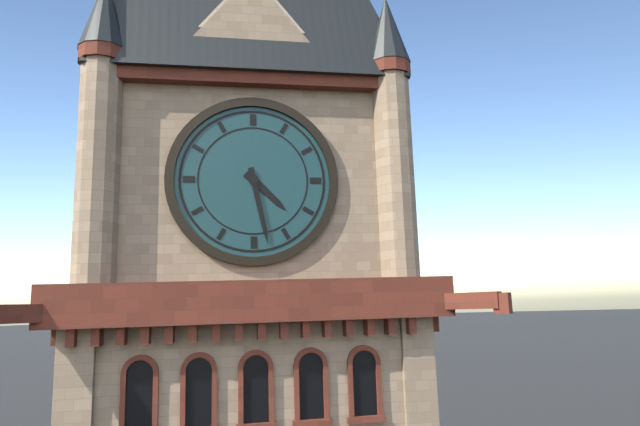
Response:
h=4 m=28
